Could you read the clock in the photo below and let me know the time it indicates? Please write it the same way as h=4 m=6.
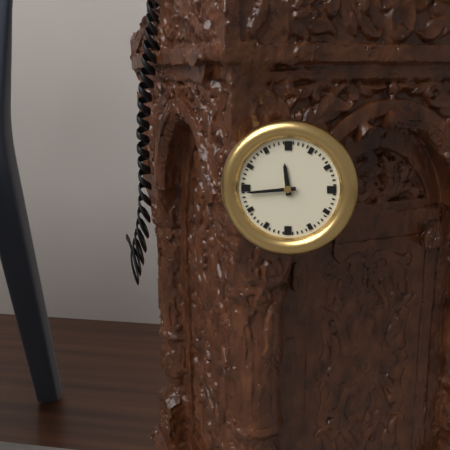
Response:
h=11 m=44
